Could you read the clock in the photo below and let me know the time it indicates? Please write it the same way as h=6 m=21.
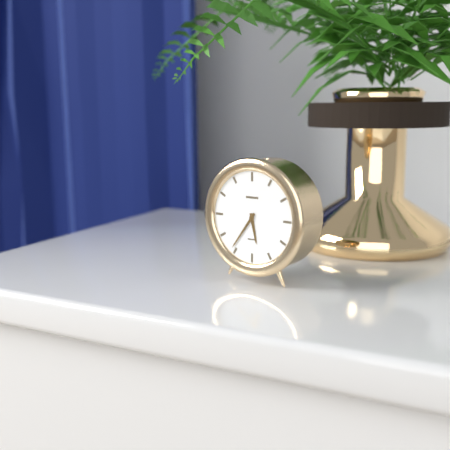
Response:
h=5 m=36
